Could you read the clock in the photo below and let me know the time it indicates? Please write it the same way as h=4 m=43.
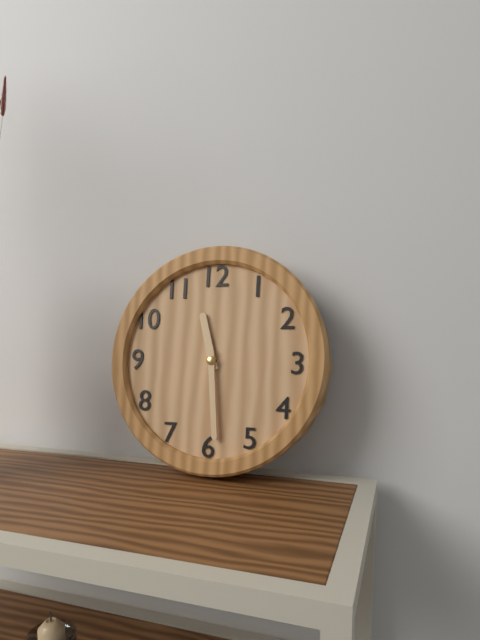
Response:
h=11 m=29
